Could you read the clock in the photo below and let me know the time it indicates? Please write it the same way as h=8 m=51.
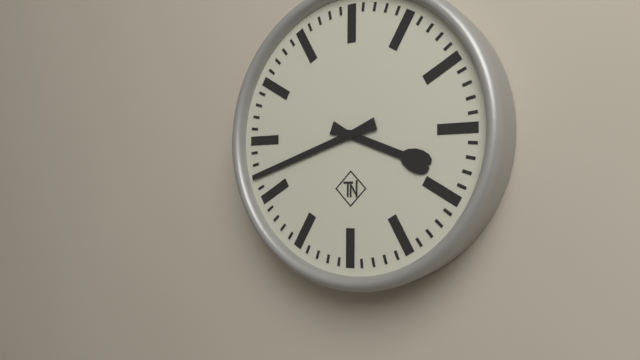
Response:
h=3 m=42
